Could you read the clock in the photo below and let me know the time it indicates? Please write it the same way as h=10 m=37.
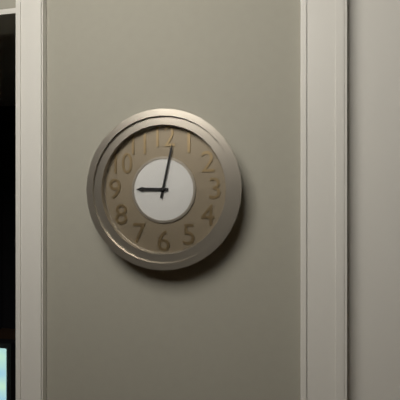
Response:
h=9 m=2
